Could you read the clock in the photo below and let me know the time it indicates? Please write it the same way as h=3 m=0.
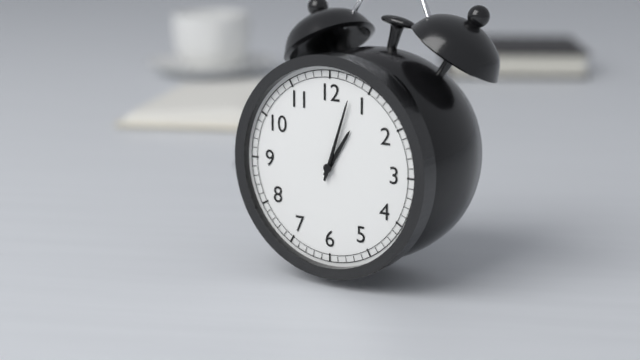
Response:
h=1 m=3
